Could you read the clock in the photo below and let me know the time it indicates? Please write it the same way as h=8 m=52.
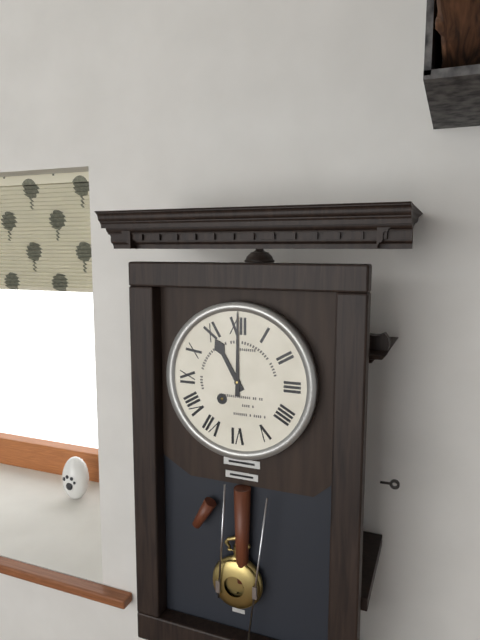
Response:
h=11 m=0
